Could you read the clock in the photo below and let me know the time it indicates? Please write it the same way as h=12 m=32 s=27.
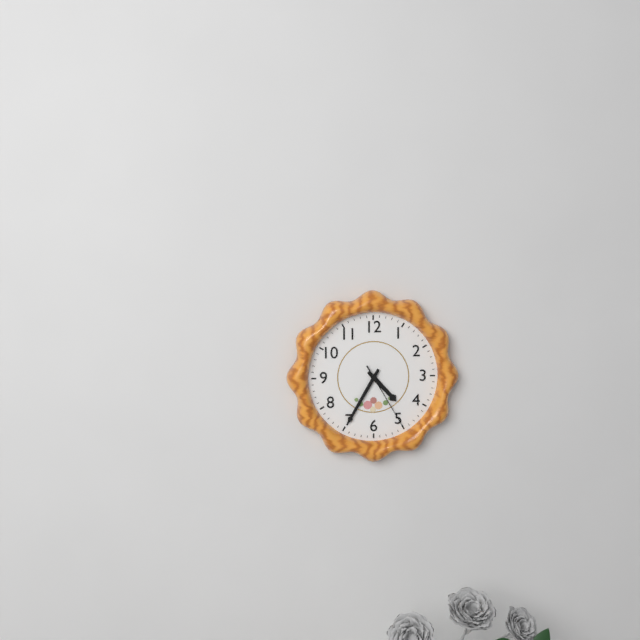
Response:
h=4 m=35 s=25
